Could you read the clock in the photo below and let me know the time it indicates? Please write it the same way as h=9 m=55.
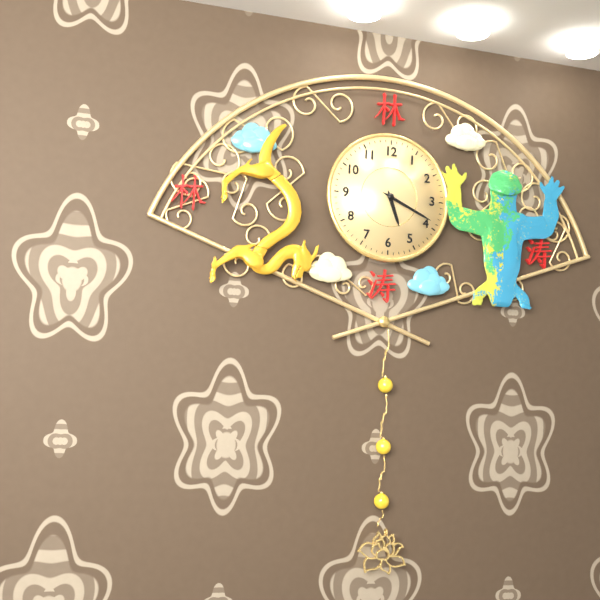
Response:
h=5 m=19
